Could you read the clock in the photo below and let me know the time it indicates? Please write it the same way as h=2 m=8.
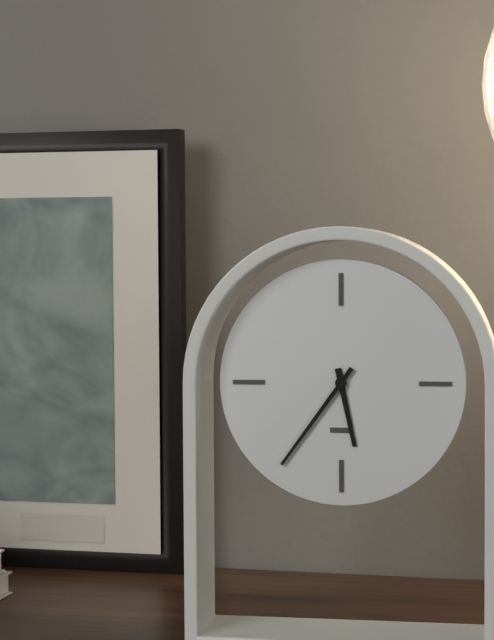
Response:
h=5 m=36
